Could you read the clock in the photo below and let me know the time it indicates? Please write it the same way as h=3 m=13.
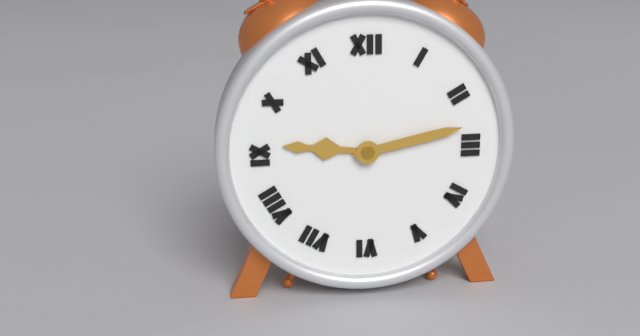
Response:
h=9 m=13
